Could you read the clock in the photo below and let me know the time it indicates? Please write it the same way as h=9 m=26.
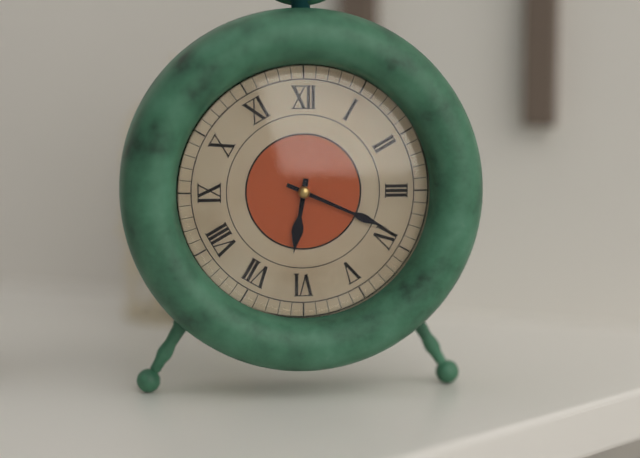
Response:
h=6 m=19
